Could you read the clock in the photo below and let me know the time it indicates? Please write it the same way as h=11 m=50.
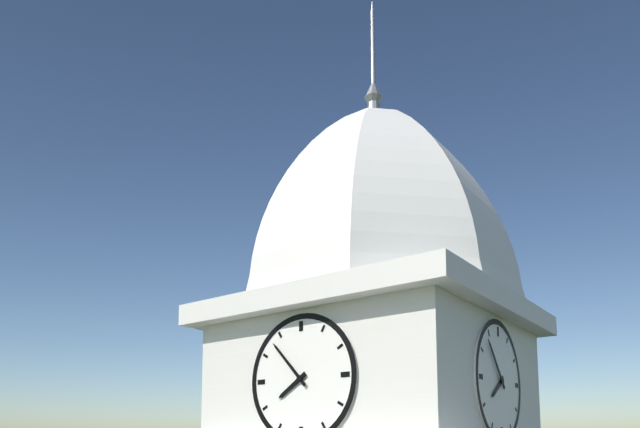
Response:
h=7 m=53
